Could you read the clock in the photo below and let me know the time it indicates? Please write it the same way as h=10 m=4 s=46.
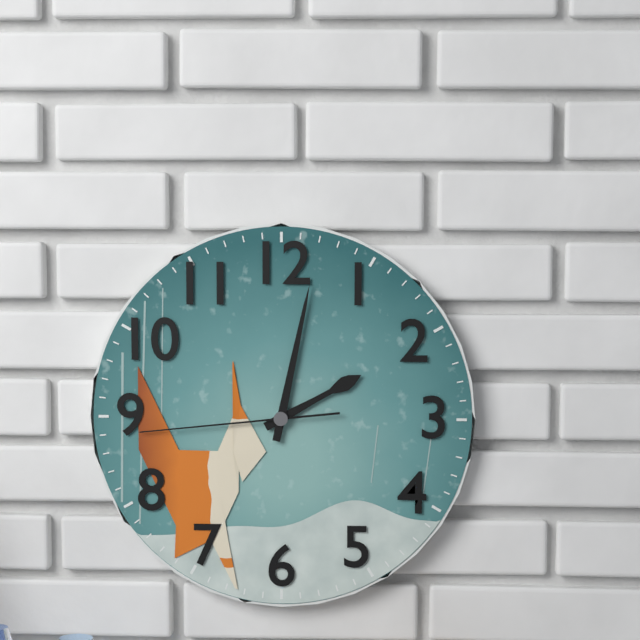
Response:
h=2 m=2 s=44
